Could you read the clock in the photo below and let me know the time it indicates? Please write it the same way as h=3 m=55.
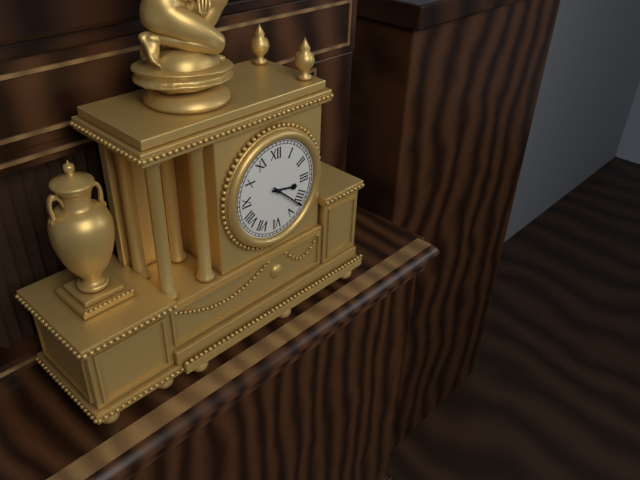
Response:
h=3 m=22
